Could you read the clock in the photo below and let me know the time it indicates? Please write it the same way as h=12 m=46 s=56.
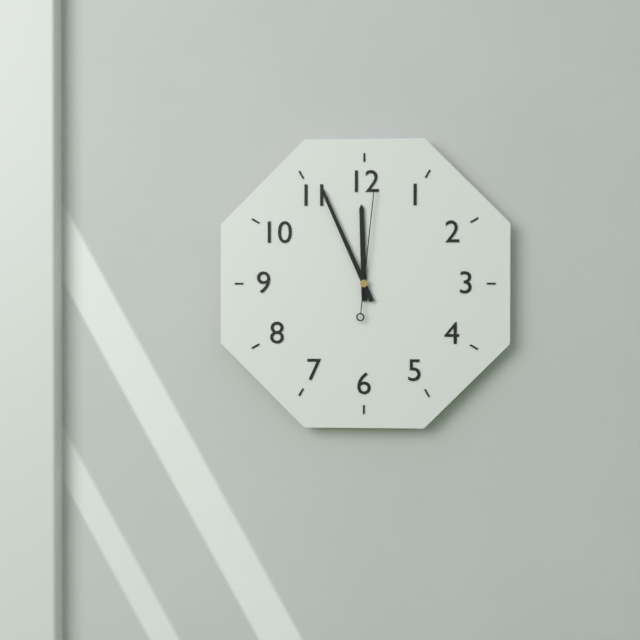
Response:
h=11 m=56 s=1
